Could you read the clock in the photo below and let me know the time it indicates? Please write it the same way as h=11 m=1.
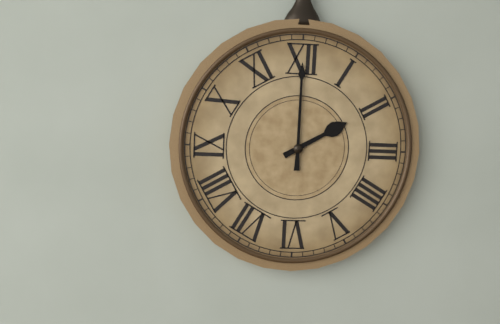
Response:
h=2 m=0
